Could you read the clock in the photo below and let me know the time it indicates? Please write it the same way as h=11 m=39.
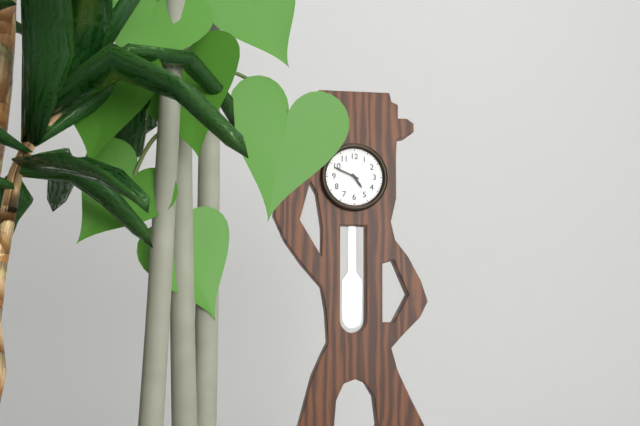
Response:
h=4 m=49
